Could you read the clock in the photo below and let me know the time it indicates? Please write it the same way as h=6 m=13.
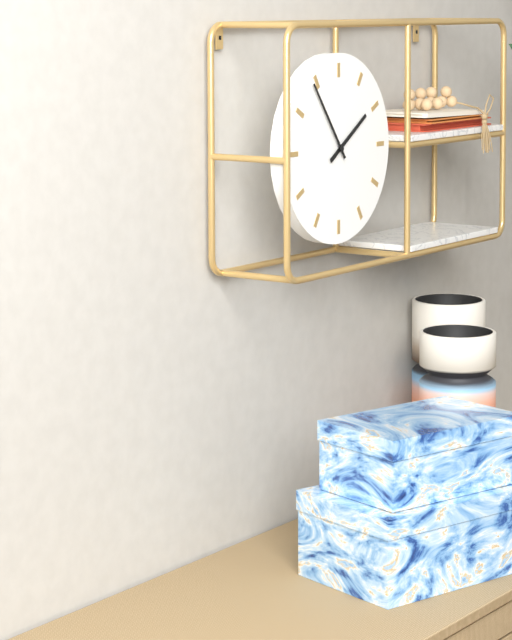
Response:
h=1 m=54
